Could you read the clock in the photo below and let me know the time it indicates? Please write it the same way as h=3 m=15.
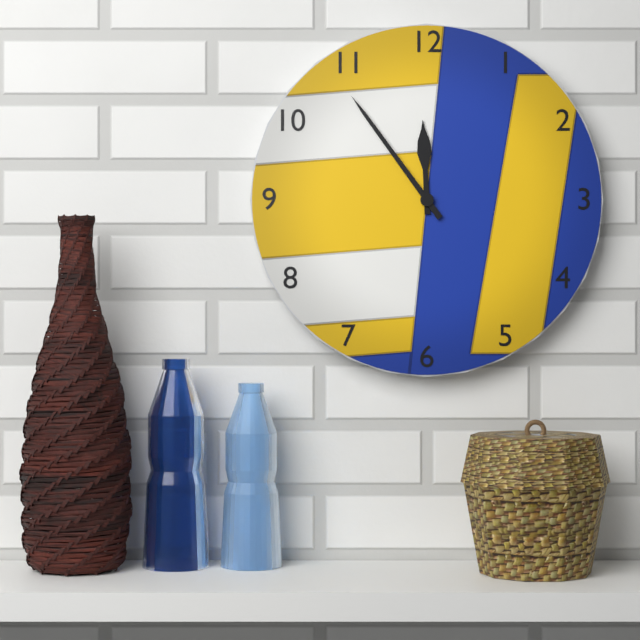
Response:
h=11 m=54
